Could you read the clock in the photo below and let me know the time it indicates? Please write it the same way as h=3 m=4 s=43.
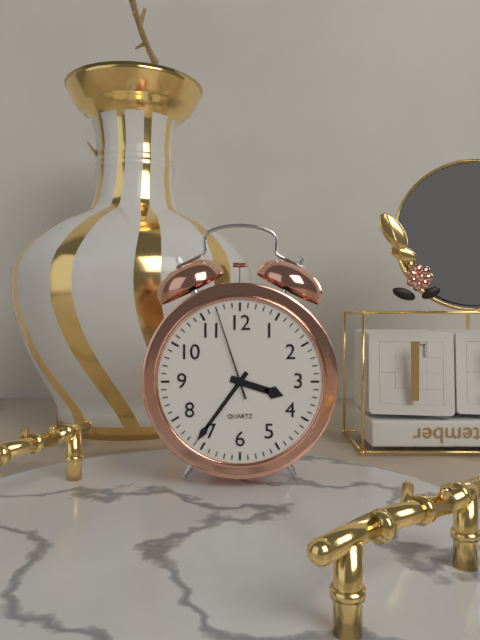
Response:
h=3 m=36 s=57
